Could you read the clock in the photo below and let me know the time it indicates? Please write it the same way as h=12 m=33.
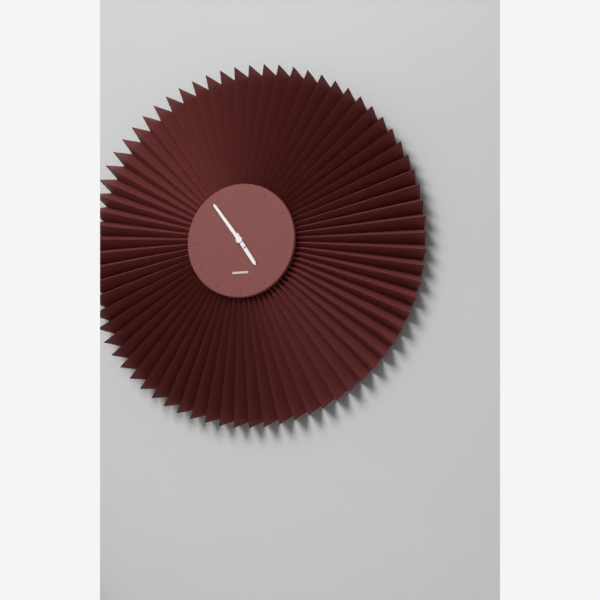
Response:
h=4 m=54
